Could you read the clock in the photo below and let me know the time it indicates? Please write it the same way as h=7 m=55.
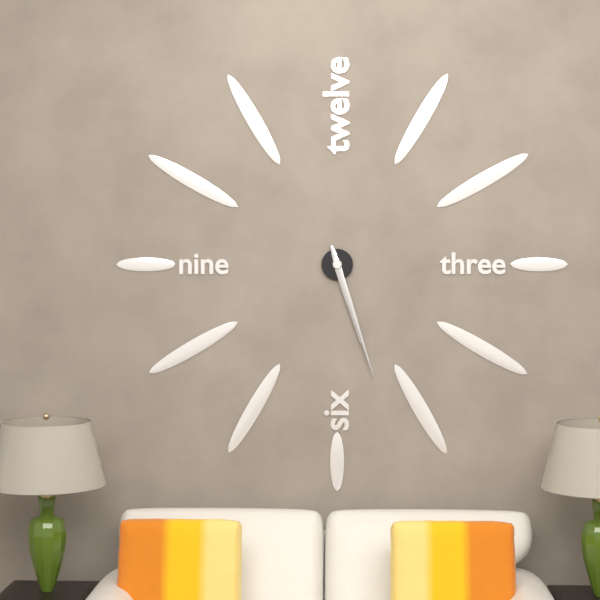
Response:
h=5 m=27
